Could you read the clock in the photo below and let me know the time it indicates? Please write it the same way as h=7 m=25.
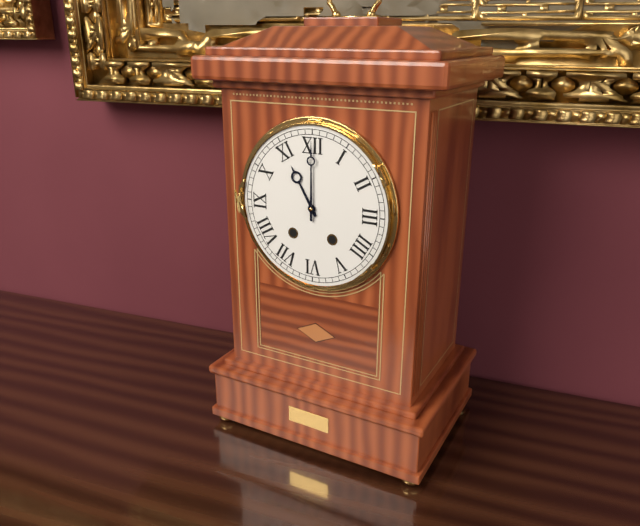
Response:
h=11 m=0
